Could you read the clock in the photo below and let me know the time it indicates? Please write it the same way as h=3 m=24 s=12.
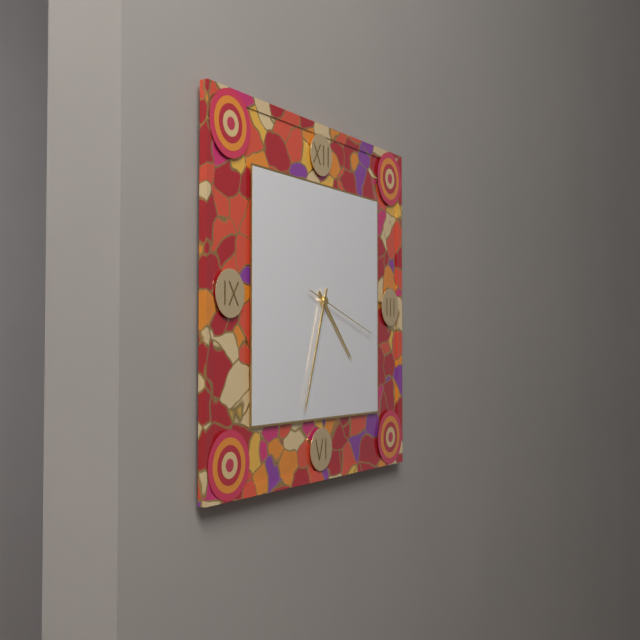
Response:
h=4 m=33 s=18
